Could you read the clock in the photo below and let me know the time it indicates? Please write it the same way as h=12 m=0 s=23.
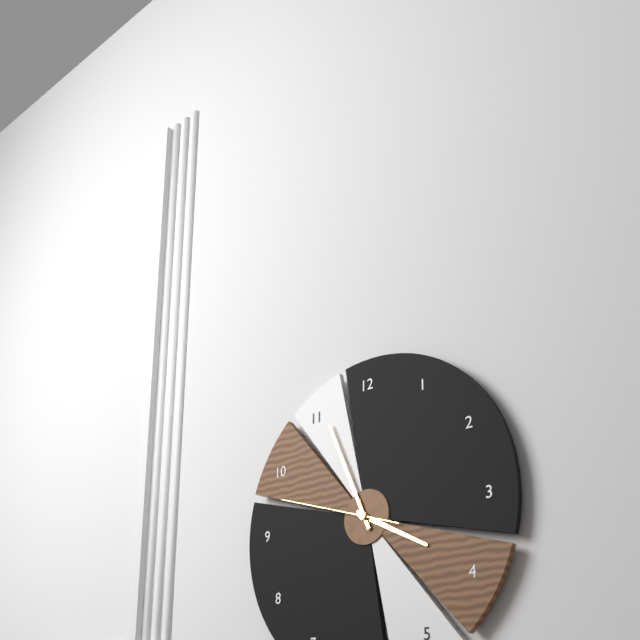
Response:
h=3 m=56 s=48
